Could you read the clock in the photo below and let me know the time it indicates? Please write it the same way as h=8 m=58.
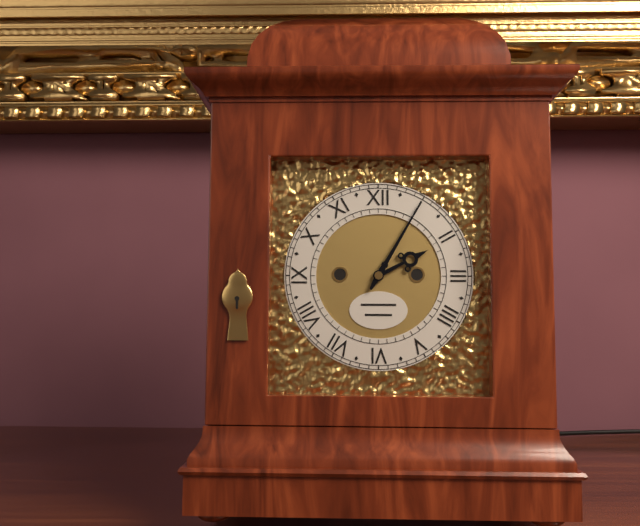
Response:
h=2 m=5
